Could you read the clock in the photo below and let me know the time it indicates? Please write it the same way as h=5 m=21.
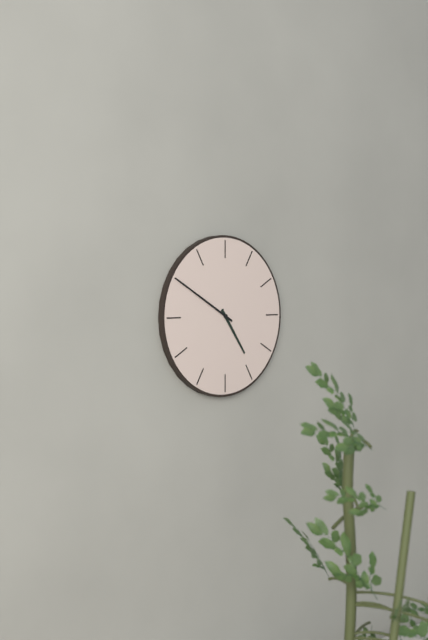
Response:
h=4 m=50
